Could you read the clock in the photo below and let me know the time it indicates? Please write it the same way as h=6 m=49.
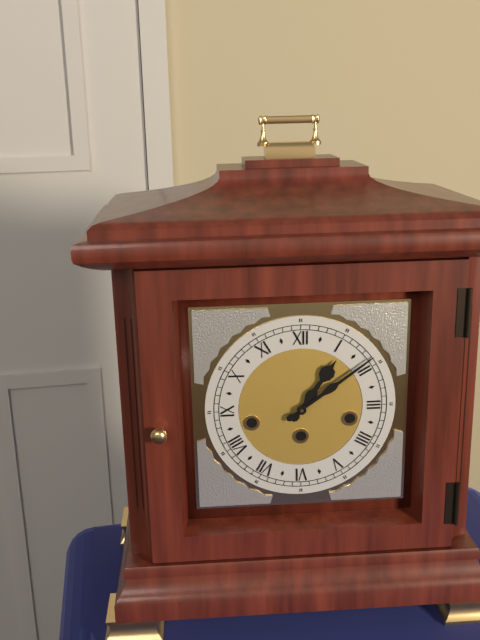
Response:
h=1 m=9
